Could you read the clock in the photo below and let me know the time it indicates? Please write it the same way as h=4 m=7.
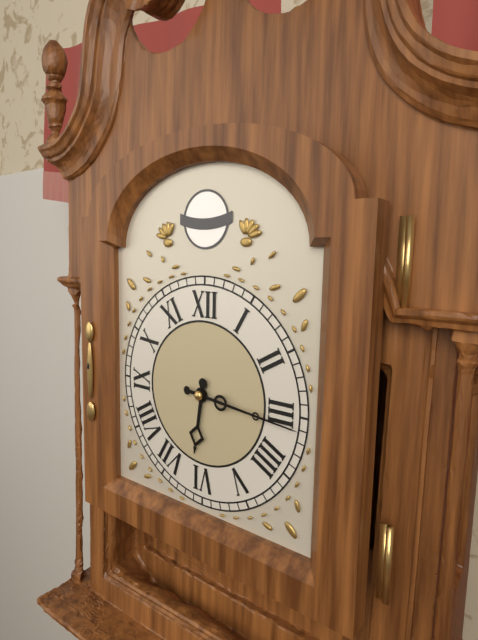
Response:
h=6 m=16
